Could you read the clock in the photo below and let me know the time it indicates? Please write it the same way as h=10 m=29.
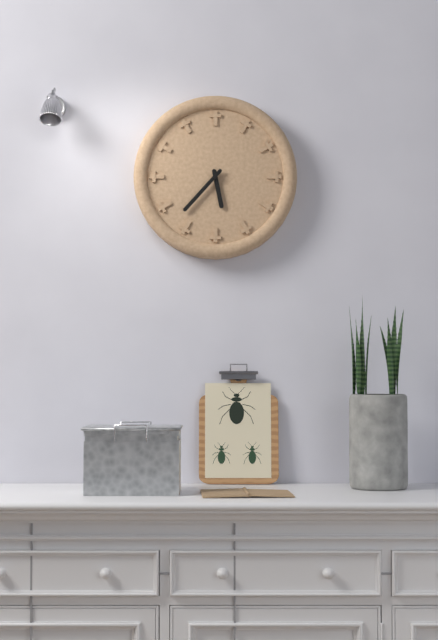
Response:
h=5 m=37
